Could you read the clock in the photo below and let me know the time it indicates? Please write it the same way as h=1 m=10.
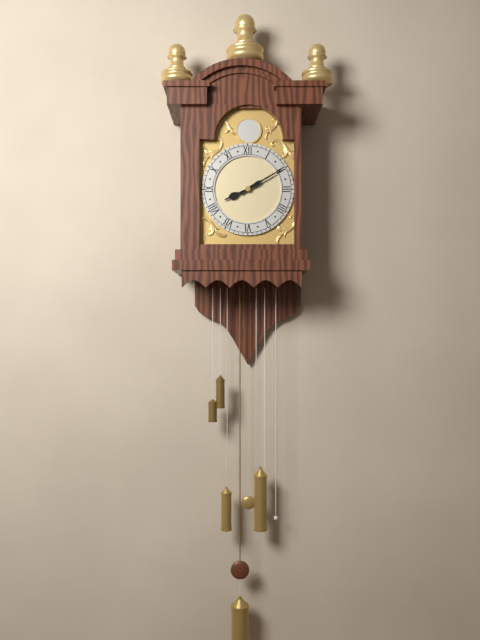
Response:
h=8 m=10
